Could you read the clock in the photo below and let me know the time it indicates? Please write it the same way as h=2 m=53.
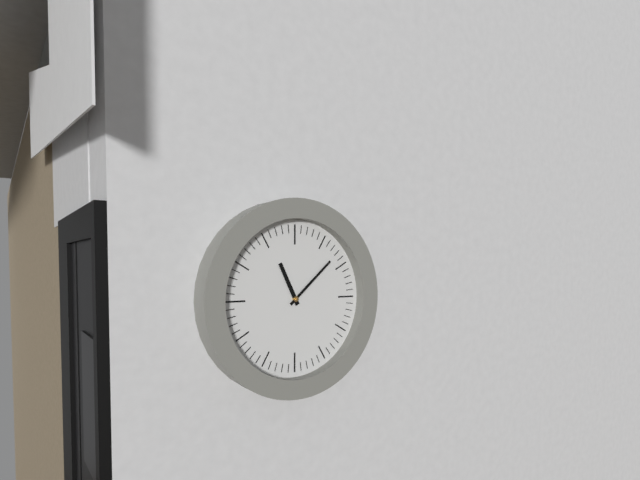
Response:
h=11 m=8
